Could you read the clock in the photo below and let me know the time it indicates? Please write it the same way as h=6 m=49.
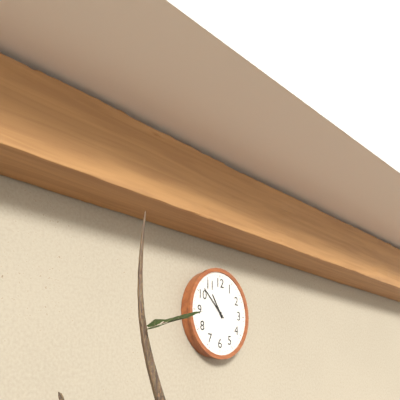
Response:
h=10 m=52
